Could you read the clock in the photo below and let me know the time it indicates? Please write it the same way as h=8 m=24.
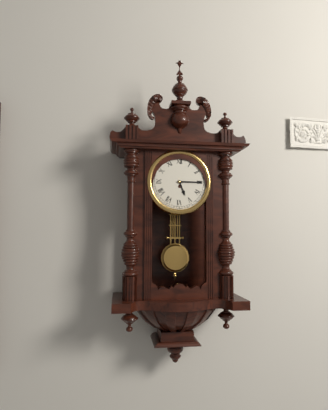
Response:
h=5 m=15
